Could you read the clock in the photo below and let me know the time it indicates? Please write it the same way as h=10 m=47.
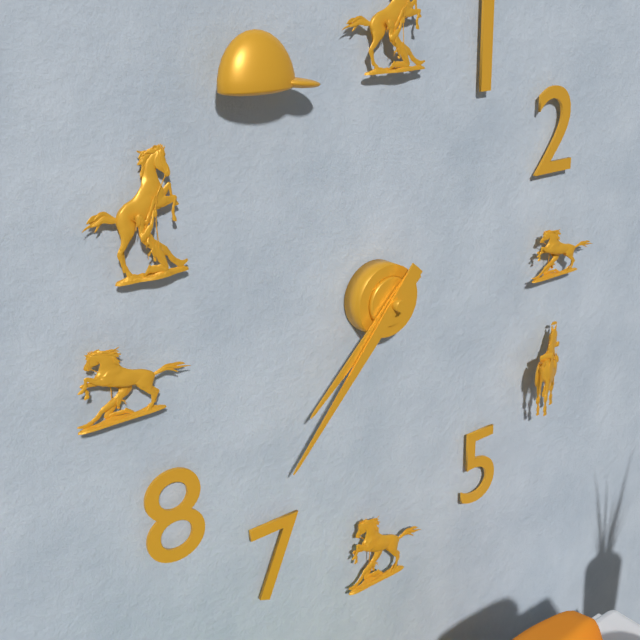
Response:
h=7 m=37
